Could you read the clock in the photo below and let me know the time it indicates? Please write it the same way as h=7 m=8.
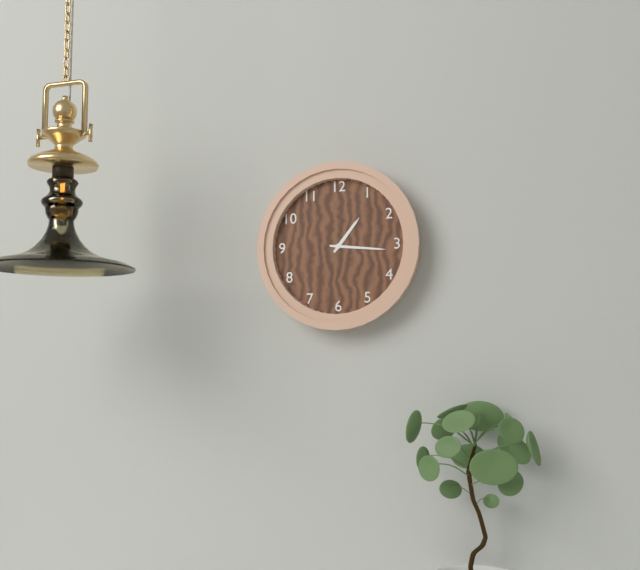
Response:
h=1 m=16
